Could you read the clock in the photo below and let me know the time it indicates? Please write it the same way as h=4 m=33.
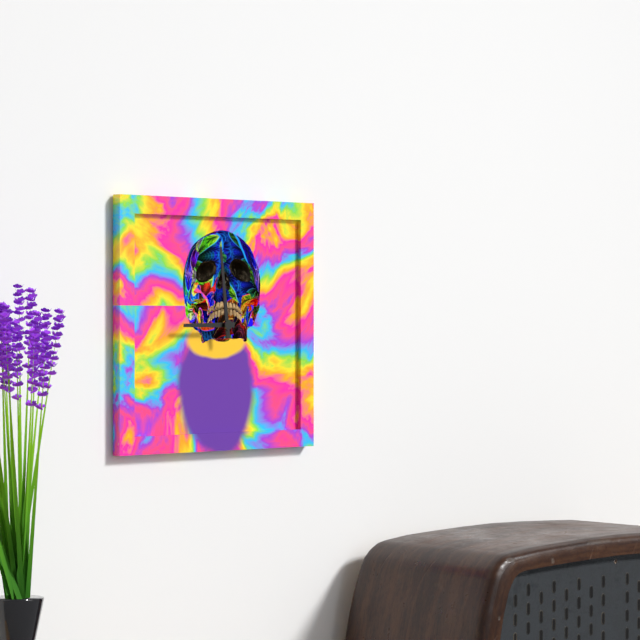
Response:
h=8 m=59
